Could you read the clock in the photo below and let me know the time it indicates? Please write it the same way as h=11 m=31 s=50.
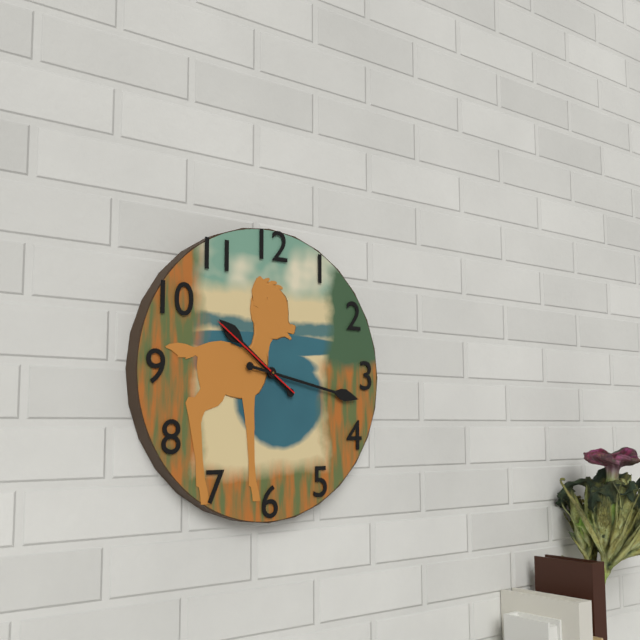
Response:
h=10 m=17 s=51
